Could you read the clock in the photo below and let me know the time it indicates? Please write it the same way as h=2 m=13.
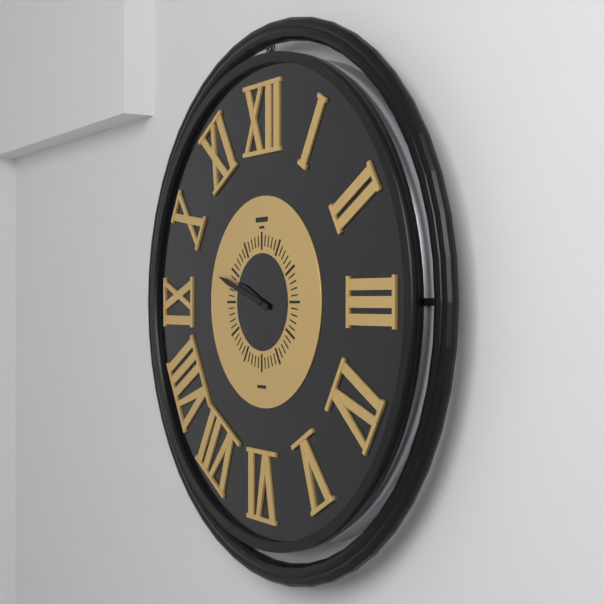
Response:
h=9 m=48
